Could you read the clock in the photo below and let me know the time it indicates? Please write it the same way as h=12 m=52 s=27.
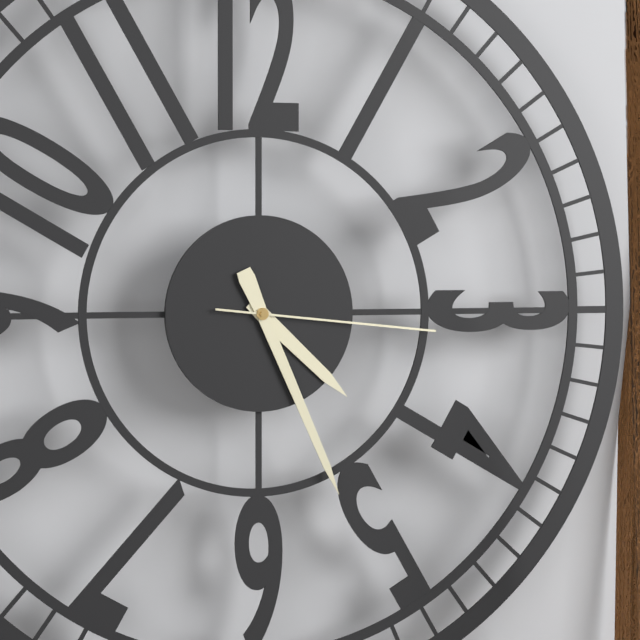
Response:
h=4 m=26 s=16
